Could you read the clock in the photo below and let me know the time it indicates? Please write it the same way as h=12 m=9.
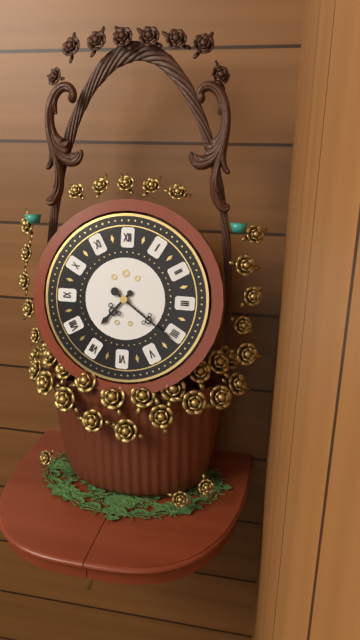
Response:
h=7 m=21
